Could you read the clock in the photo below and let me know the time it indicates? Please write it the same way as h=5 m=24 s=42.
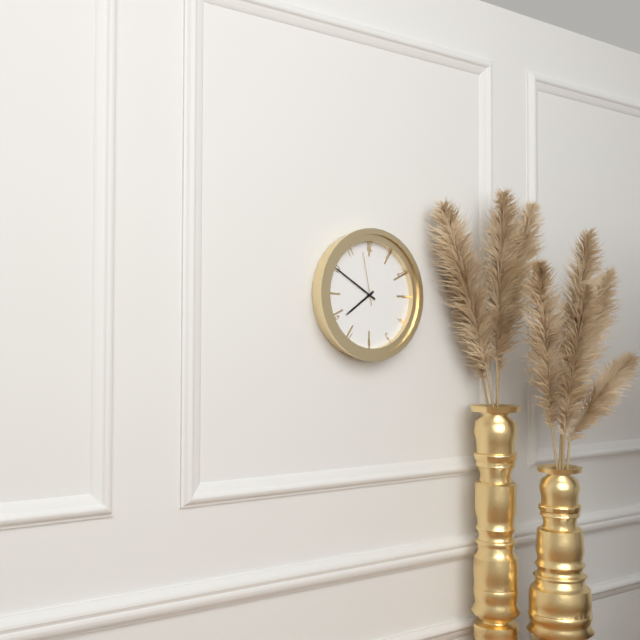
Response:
h=7 m=50 s=58
